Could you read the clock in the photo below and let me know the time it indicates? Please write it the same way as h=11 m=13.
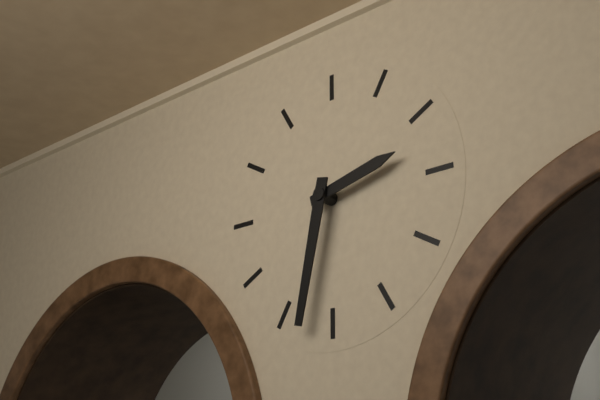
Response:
h=2 m=32
